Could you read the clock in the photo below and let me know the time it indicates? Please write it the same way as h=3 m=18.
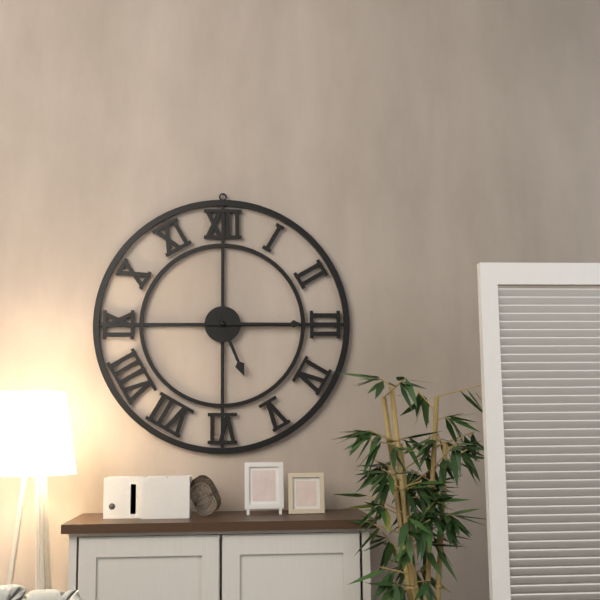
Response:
h=5 m=15
